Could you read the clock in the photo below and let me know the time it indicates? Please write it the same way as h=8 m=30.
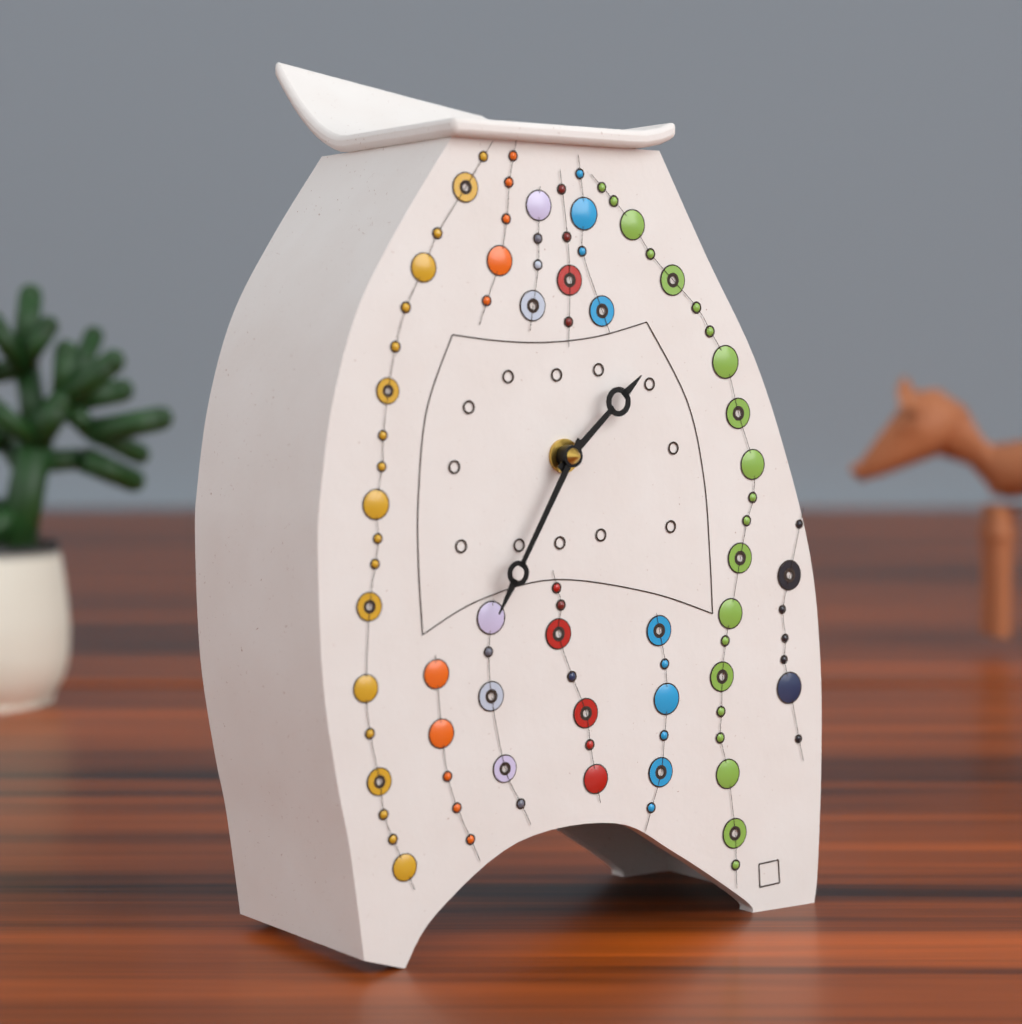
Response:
h=1 m=35
